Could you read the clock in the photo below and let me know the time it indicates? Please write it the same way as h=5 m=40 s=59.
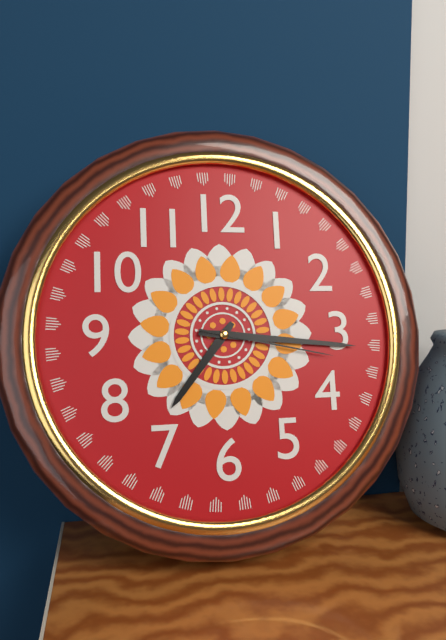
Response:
h=7 m=16 s=17
